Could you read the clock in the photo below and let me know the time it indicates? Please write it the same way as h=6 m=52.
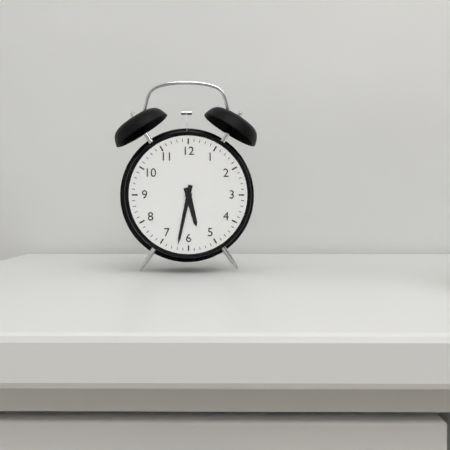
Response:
h=5 m=32
